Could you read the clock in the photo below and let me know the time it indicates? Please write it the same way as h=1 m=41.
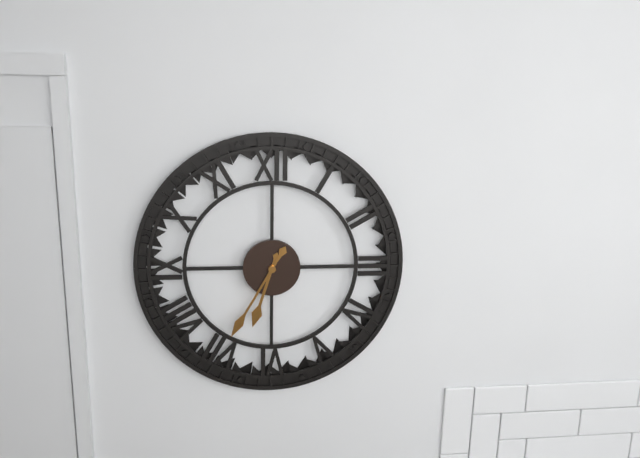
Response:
h=6 m=35
